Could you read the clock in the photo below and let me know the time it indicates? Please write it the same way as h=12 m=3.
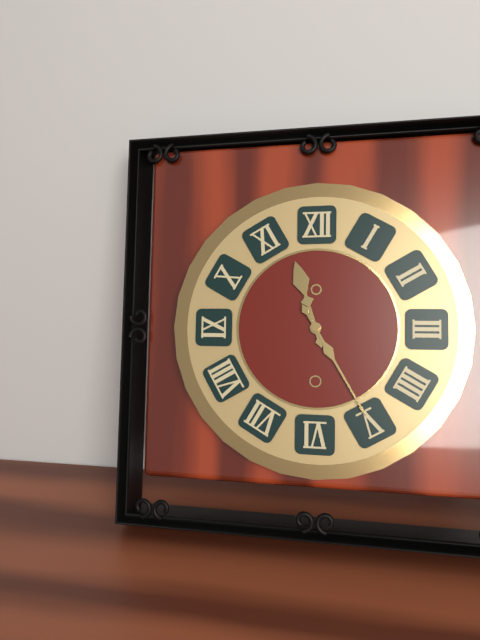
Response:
h=11 m=25
